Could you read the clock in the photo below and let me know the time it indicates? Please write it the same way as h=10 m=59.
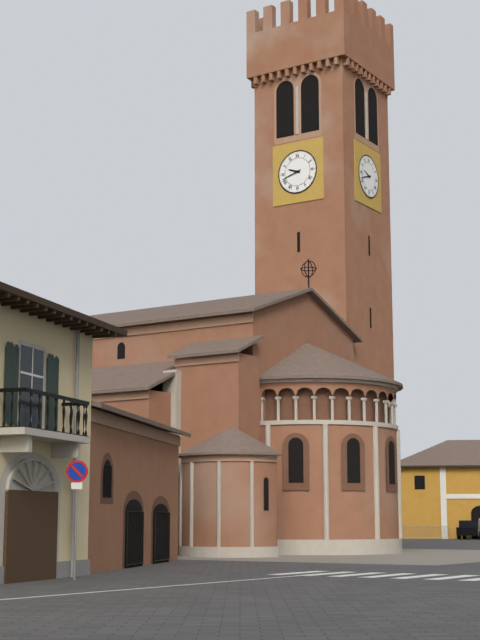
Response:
h=9 m=42
